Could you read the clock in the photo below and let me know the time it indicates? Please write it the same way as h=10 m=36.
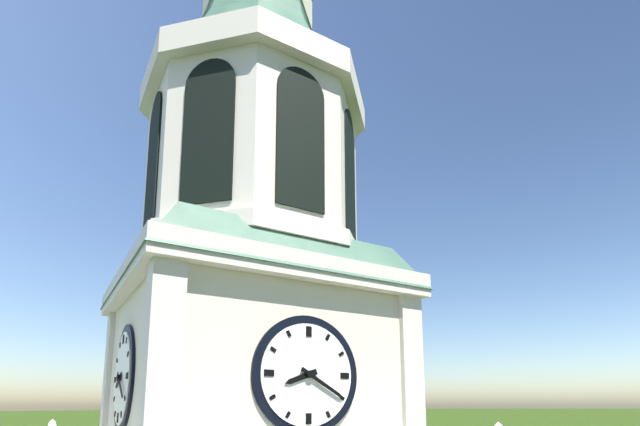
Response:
h=8 m=20
